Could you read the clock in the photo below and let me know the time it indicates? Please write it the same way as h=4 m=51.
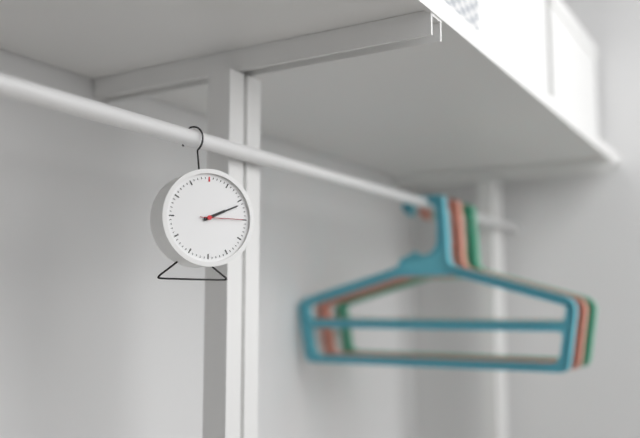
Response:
h=2 m=11
